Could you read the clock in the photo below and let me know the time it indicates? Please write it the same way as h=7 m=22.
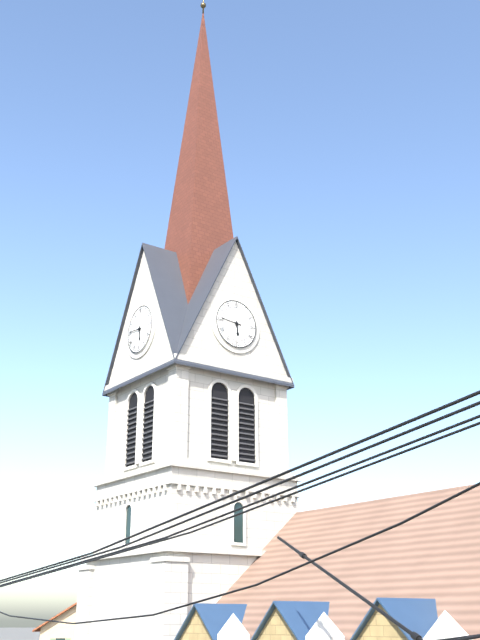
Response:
h=5 m=46
